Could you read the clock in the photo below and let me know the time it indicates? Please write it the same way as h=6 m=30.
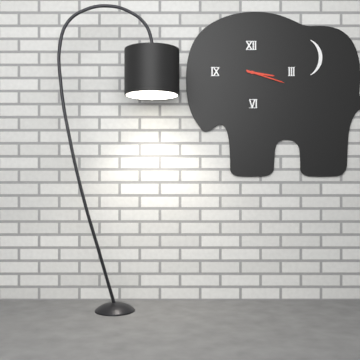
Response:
h=3 m=18
